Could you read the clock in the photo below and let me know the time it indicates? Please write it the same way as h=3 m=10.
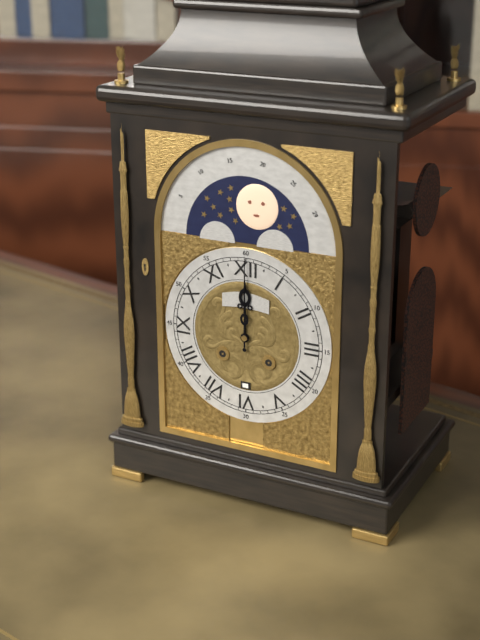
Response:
h=12 m=0
